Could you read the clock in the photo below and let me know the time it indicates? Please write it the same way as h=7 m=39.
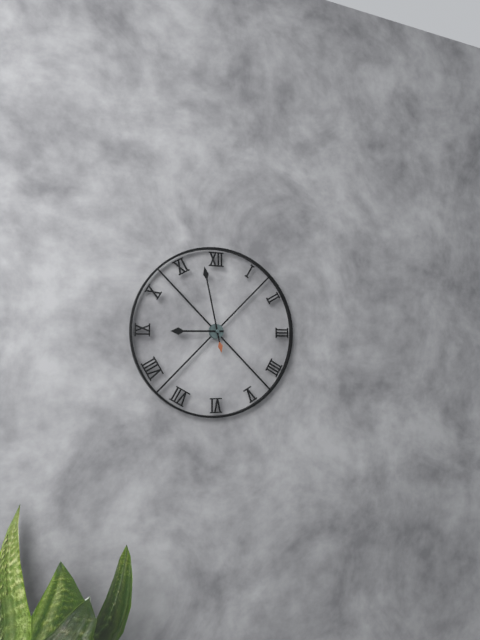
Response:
h=8 m=58
